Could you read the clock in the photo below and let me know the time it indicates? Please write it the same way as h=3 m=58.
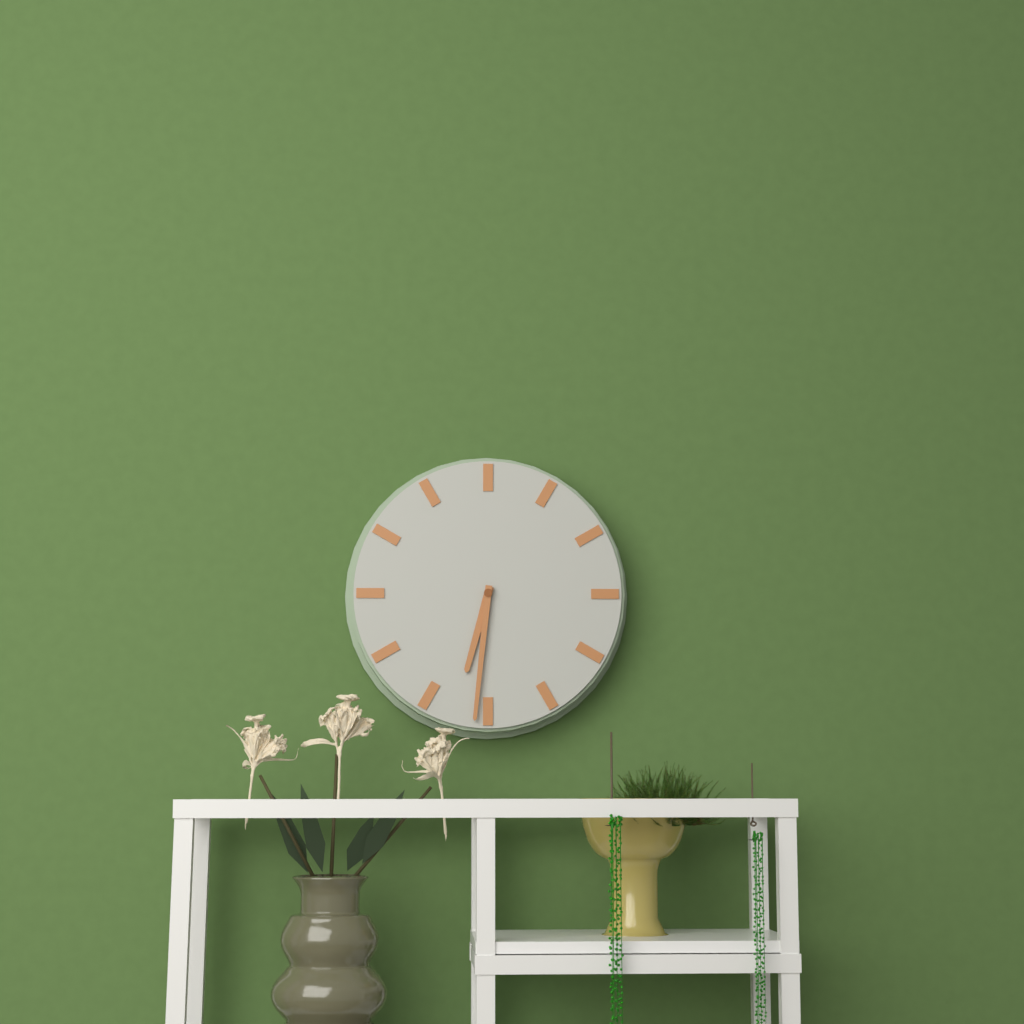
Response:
h=6 m=31
